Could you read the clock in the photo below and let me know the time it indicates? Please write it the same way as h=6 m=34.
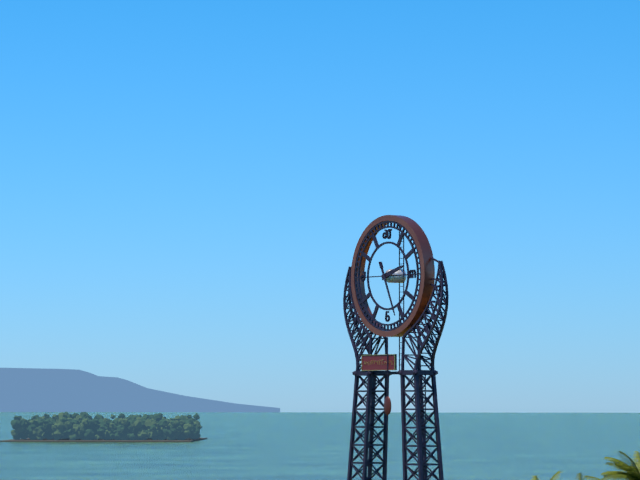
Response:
h=2 m=26
